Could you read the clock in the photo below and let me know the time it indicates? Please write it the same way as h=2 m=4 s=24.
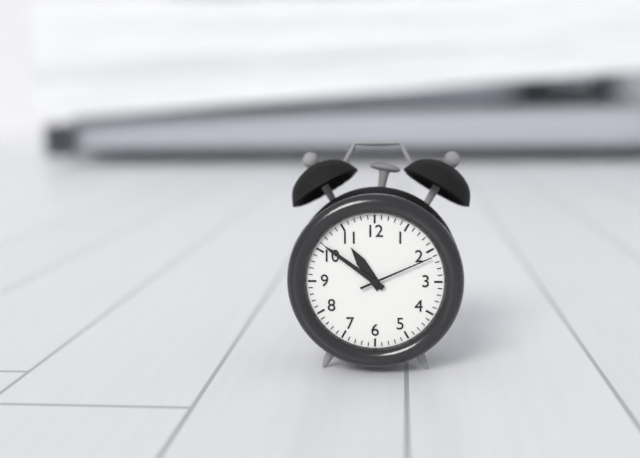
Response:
h=10 m=51 s=11
